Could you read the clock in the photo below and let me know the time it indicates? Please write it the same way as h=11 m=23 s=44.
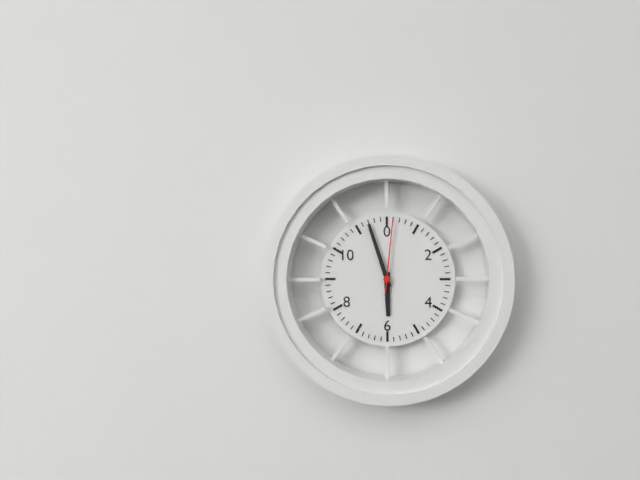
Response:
h=5 m=57 s=1
